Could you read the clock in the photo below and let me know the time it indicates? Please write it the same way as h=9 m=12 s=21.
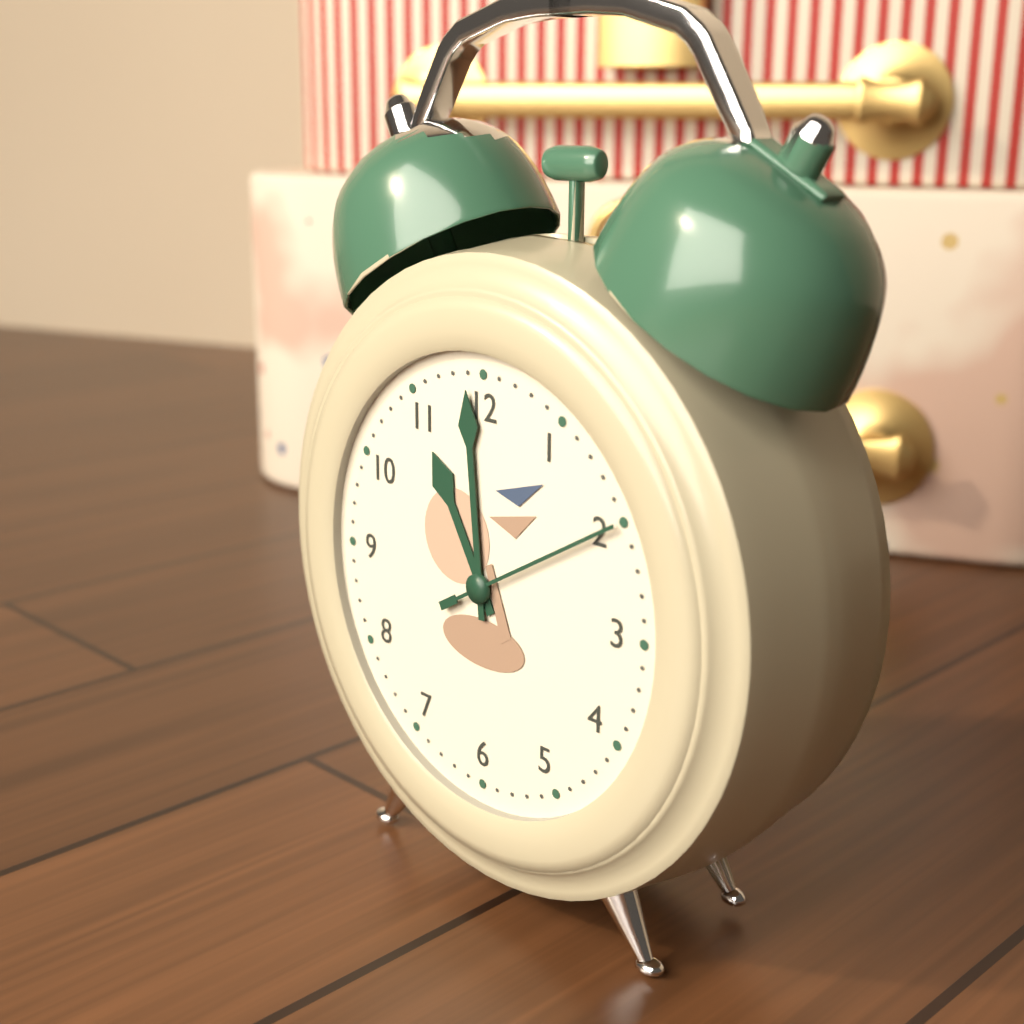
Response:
h=10 m=59 s=10
